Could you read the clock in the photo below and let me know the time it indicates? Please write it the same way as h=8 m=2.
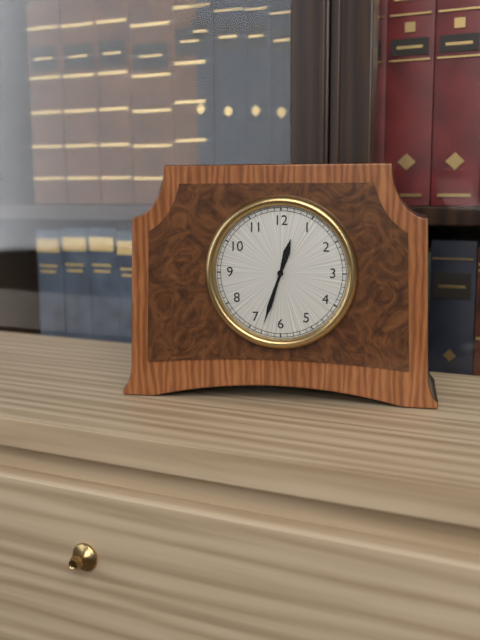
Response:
h=12 m=33
